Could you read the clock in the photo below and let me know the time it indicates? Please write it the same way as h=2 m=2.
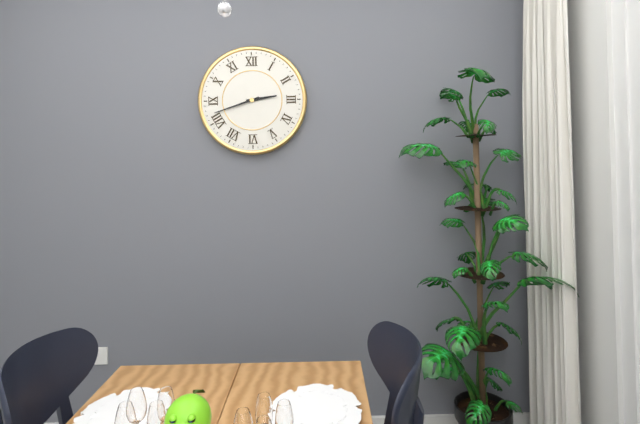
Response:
h=2 m=42
